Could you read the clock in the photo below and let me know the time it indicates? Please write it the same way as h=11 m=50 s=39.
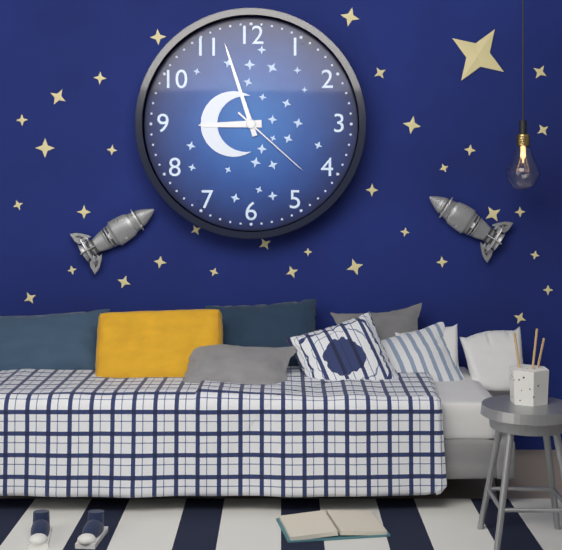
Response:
h=8 m=57 s=22
